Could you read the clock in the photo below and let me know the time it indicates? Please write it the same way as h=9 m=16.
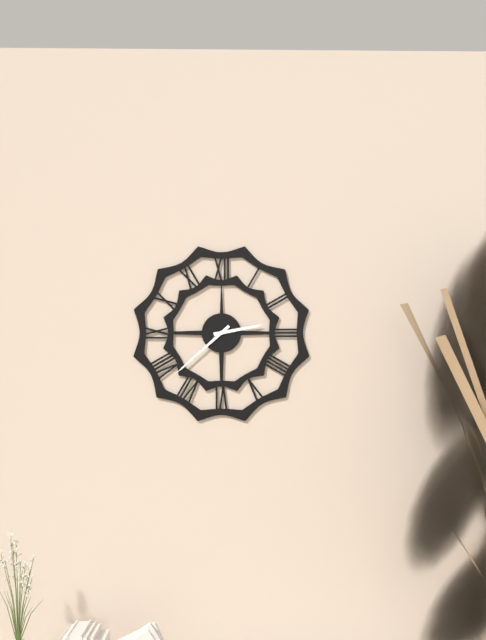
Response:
h=2 m=38
